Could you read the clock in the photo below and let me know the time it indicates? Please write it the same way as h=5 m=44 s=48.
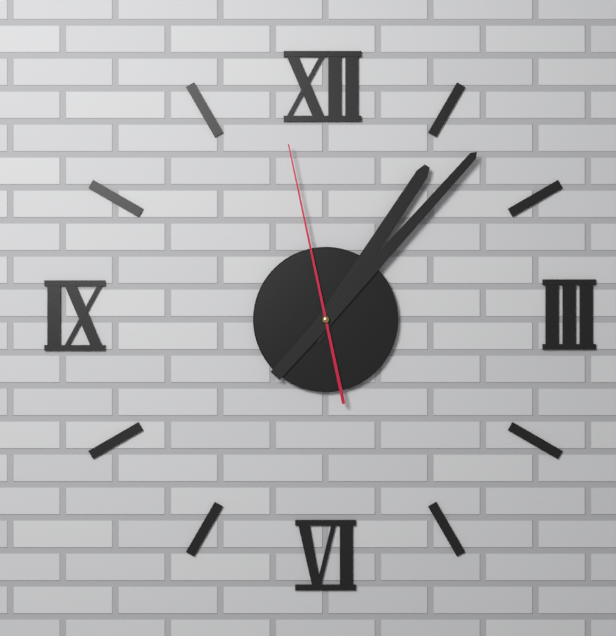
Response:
h=1 m=7 s=58
